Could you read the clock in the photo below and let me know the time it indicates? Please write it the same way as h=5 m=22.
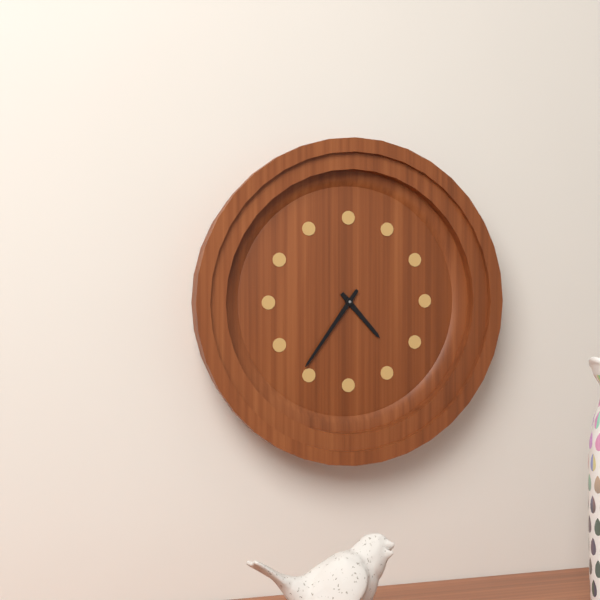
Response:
h=4 m=36
